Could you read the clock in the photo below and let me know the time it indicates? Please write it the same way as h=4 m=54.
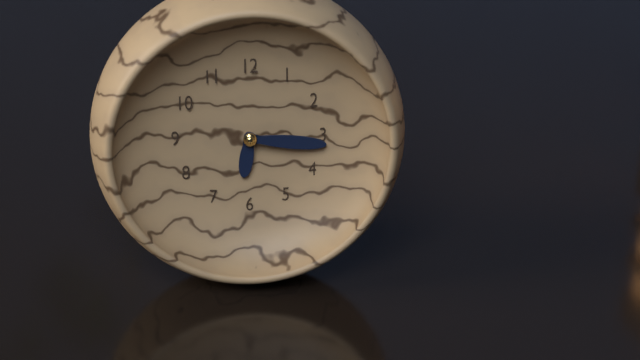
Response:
h=6 m=16
